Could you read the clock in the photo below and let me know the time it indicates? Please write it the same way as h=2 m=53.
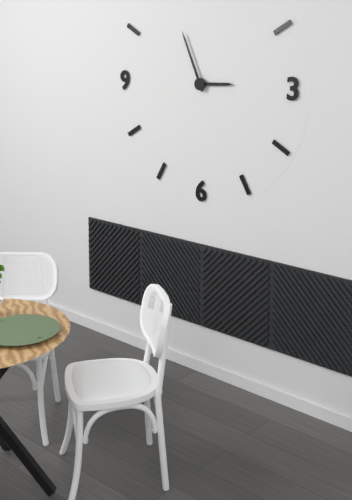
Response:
h=2 m=56
